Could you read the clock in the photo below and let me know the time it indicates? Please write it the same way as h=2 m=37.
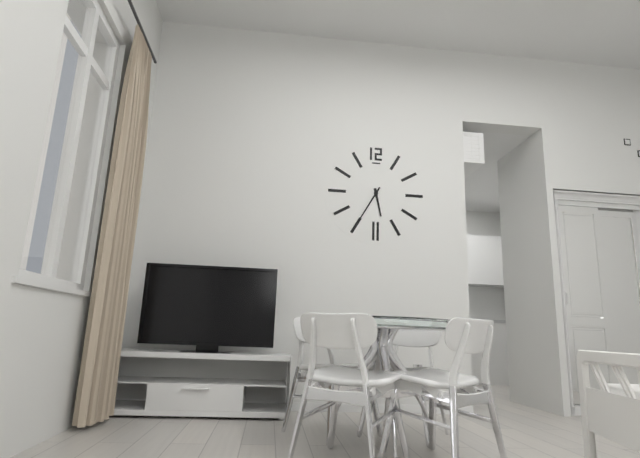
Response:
h=5 m=35
